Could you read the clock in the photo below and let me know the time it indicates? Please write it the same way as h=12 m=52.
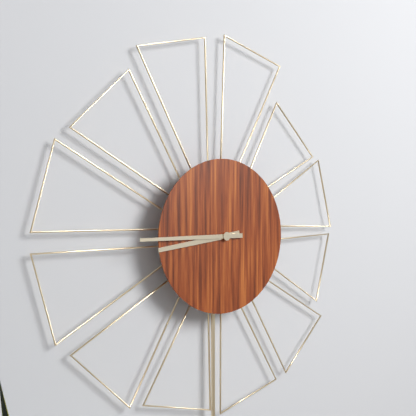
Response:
h=8 m=45
